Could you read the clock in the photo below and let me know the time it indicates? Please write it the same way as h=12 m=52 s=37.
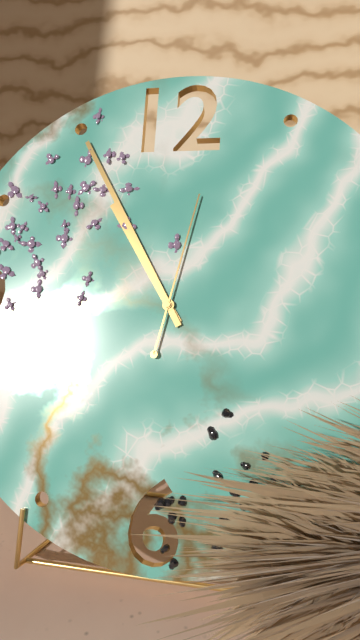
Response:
h=10 m=55 s=2
